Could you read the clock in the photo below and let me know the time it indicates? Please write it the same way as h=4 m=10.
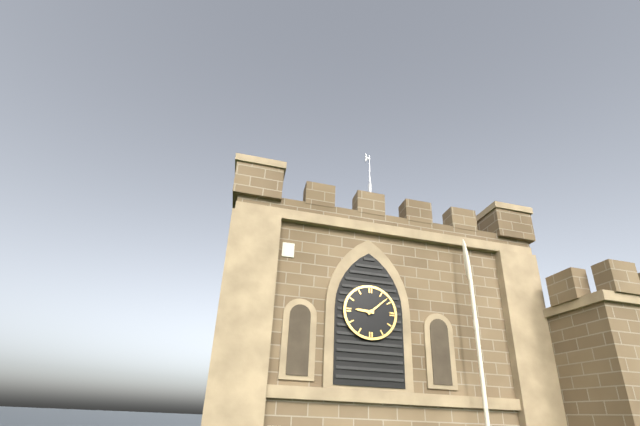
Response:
h=9 m=8
